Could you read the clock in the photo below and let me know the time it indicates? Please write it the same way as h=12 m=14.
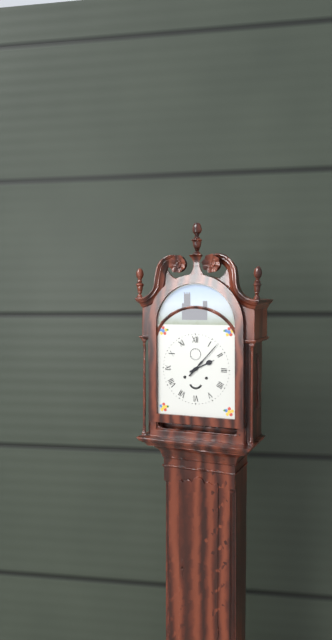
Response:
h=2 m=7
